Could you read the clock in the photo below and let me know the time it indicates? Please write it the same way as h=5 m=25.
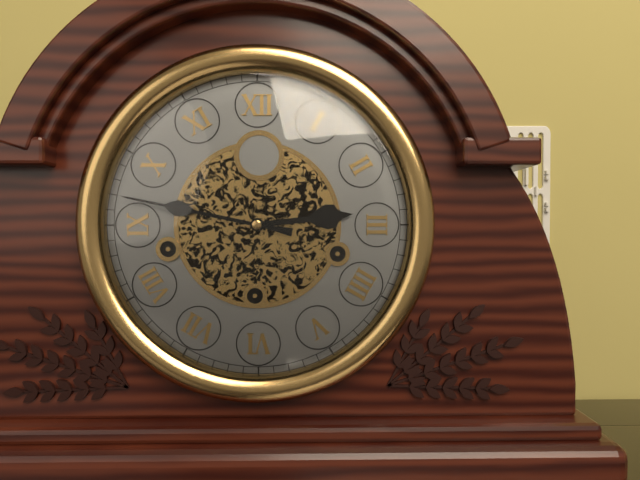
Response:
h=2 m=47
